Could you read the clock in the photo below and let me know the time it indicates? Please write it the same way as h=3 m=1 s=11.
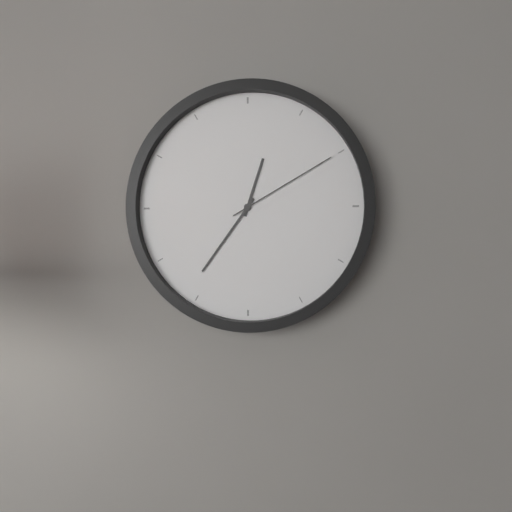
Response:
h=12 m=36 s=10
